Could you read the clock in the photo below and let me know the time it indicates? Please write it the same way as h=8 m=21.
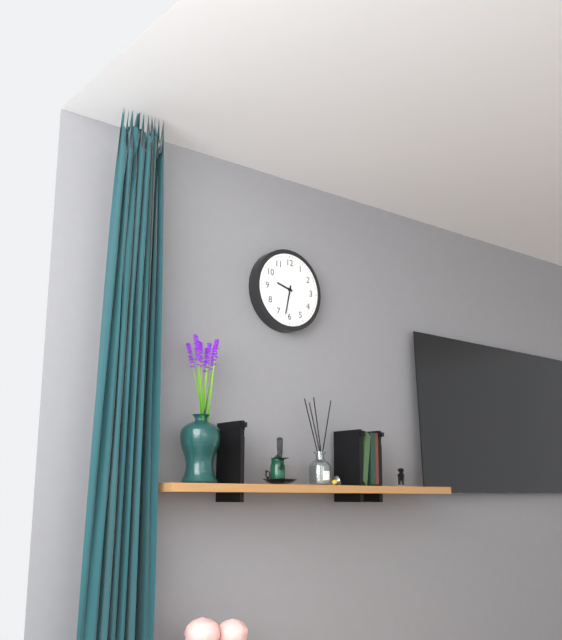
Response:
h=9 m=32
